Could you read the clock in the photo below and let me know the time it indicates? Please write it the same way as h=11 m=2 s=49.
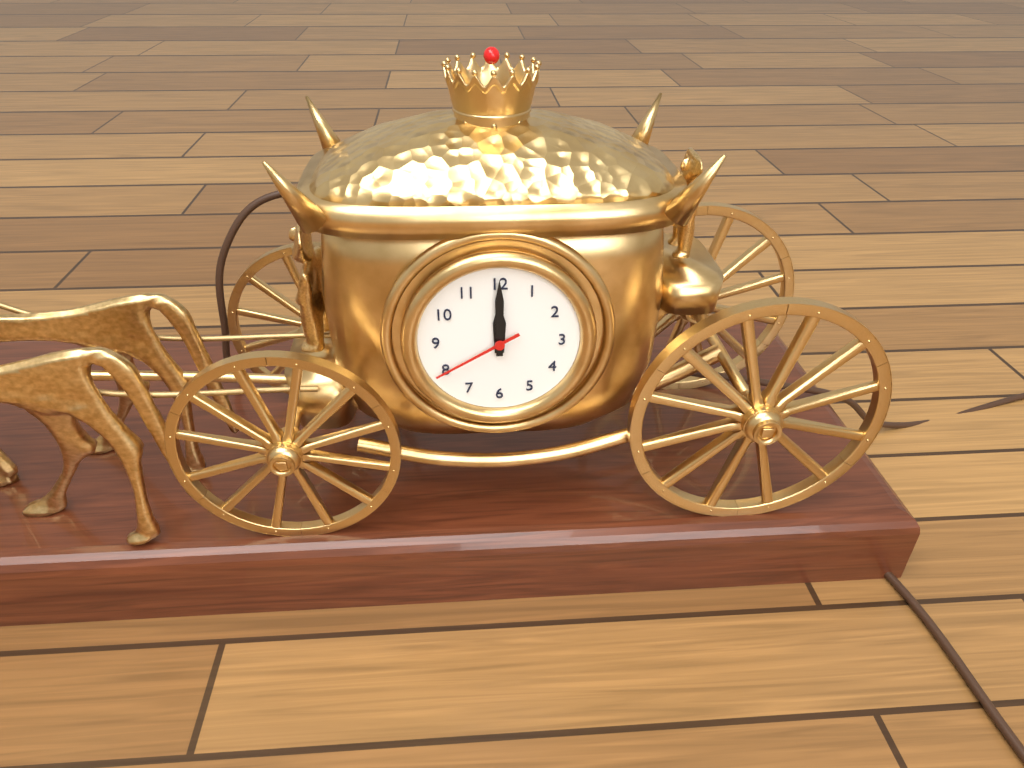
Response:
h=12 m=0 s=40
